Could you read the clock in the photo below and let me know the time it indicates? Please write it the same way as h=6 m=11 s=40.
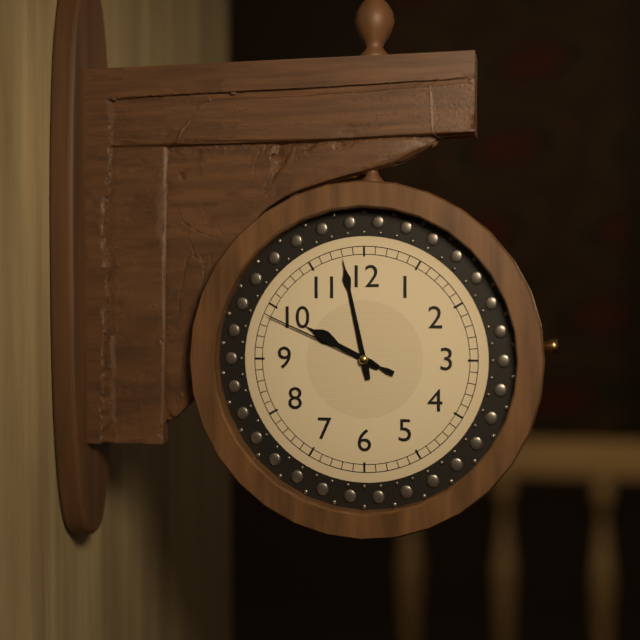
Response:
h=9 m=58 s=49
